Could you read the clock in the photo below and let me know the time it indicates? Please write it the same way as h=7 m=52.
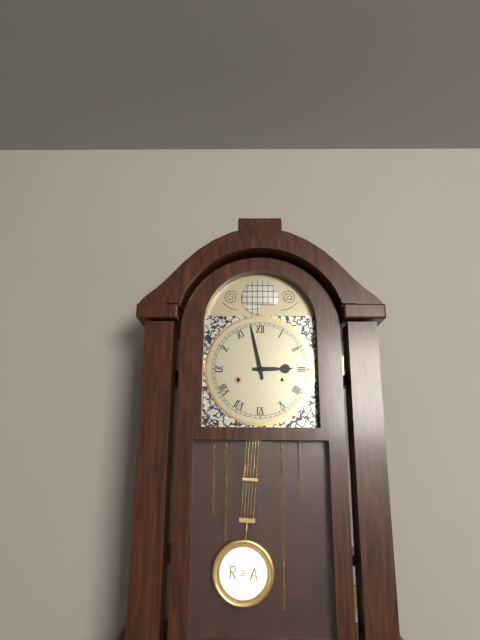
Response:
h=2 m=58
